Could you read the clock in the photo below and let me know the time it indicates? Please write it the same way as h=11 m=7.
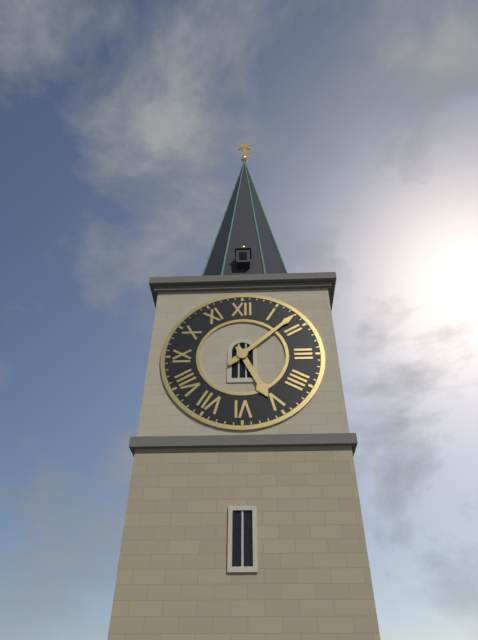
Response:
h=5 m=8
